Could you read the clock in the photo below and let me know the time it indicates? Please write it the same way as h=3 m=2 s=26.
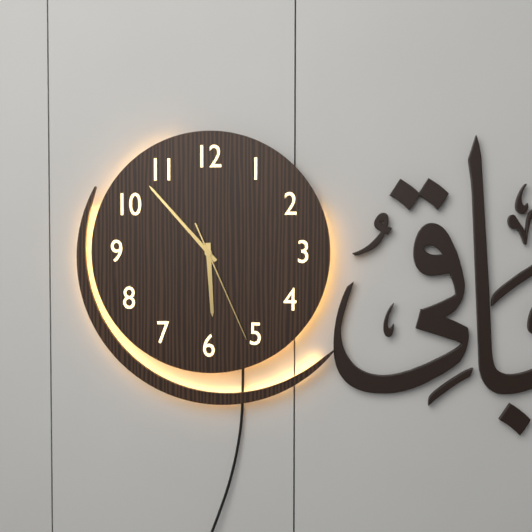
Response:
h=5 m=53 s=26
